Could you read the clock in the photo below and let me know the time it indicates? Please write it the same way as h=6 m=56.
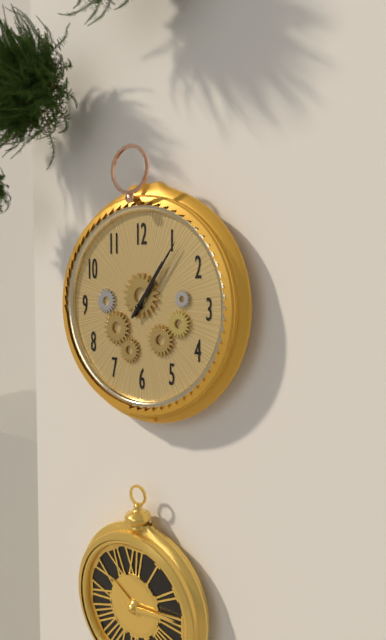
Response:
h=1 m=6
